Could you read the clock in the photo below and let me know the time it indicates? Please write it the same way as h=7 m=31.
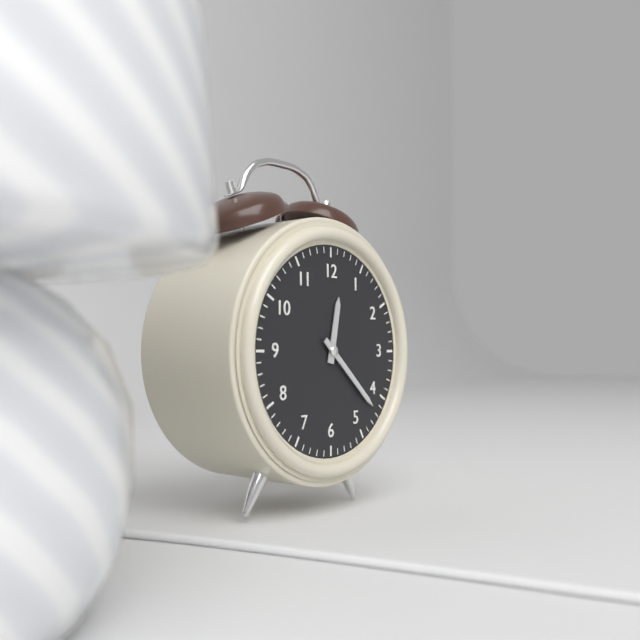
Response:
h=12 m=22
